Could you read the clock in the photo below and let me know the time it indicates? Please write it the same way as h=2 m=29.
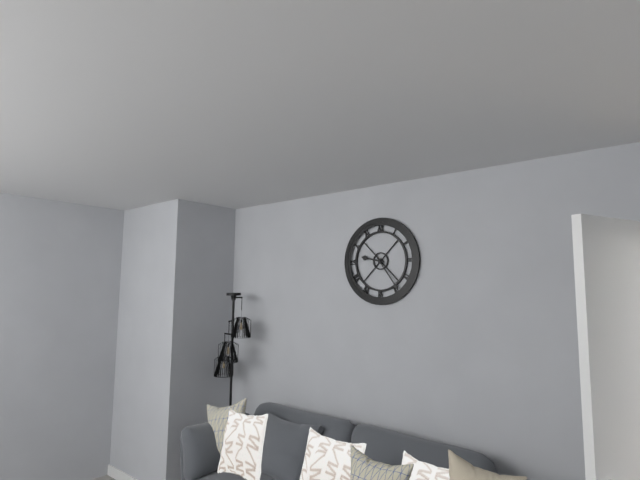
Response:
h=9 m=24
